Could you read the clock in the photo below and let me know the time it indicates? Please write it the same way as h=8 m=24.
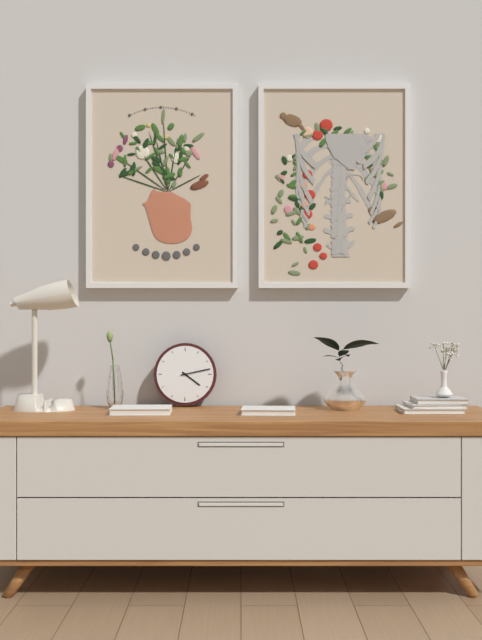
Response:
h=4 m=13
